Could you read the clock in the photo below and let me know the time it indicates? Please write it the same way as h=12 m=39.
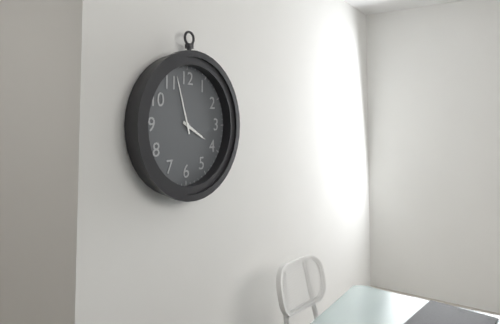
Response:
h=3 m=57
